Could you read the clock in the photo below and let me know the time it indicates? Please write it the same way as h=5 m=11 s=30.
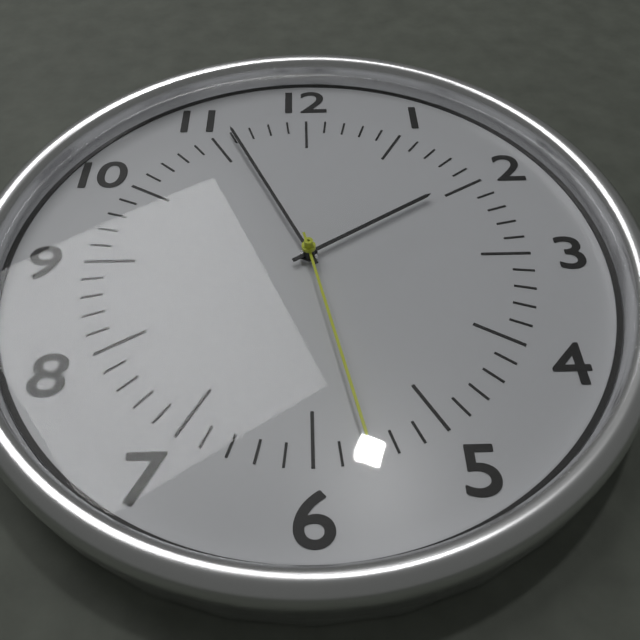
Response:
h=1 m=56 s=28
